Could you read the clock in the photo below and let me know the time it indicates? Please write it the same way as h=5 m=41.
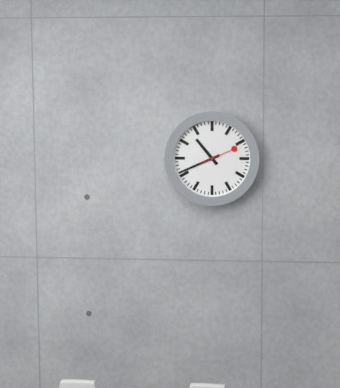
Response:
h=10 m=41
